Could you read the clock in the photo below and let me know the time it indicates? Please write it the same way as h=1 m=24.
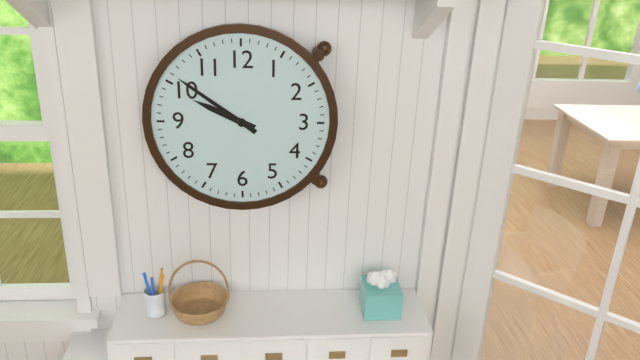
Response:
h=9 m=51
